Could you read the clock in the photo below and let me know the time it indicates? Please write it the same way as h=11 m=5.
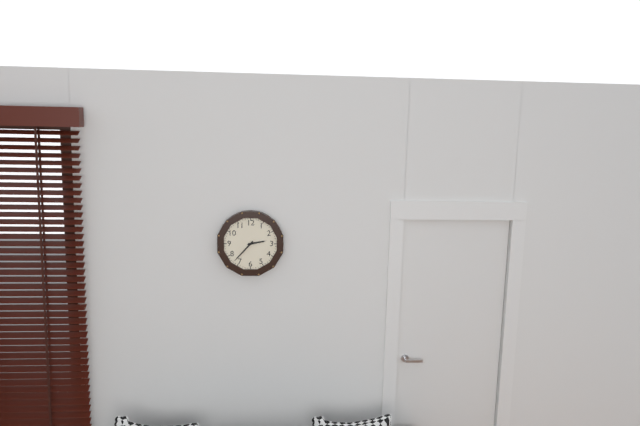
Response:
h=2 m=37
